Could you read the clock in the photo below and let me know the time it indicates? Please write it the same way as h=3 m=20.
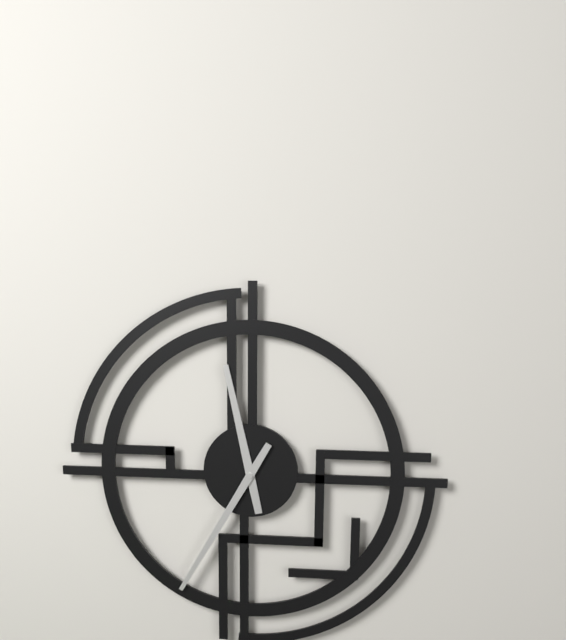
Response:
h=11 m=35
